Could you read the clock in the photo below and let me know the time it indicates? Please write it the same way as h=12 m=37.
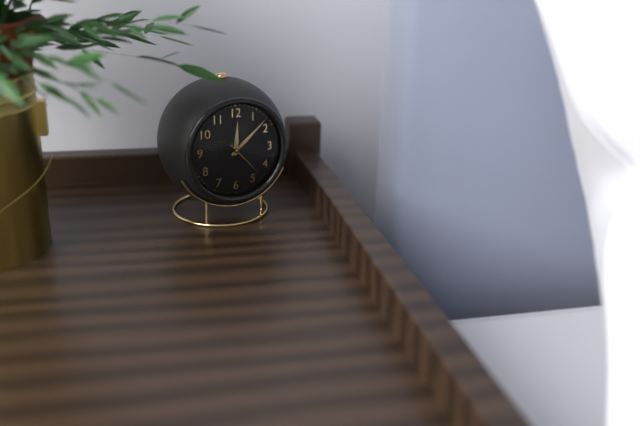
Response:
h=12 m=8
